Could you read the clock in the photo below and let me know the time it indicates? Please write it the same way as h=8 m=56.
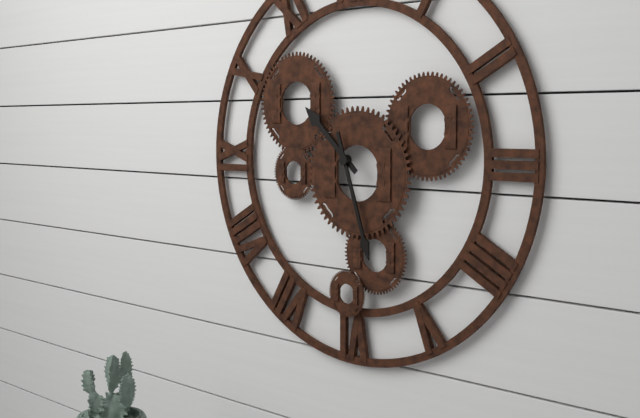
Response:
h=10 m=27
